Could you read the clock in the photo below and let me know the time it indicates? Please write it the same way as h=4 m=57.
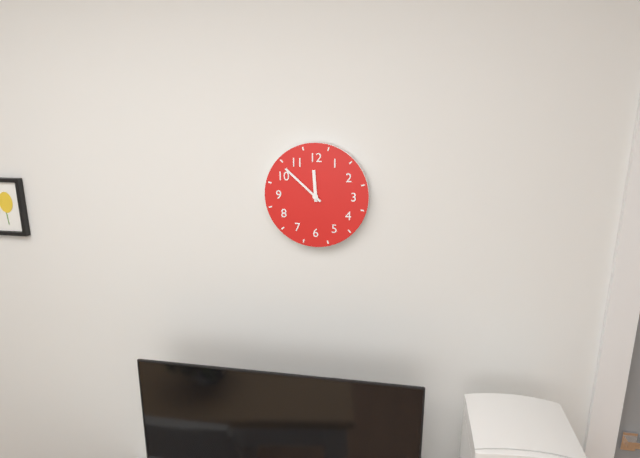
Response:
h=11 m=52
